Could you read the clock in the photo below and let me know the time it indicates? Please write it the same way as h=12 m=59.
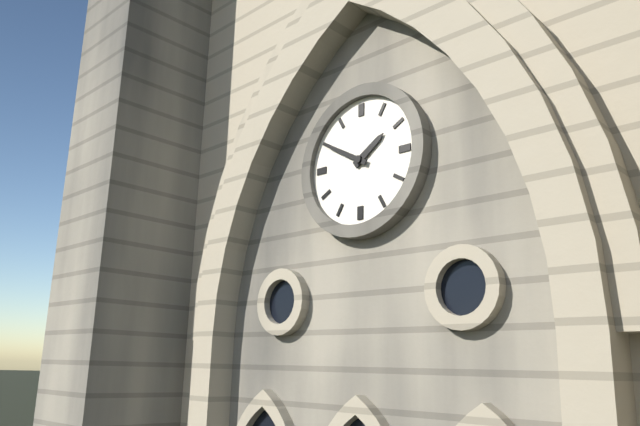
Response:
h=1 m=50
